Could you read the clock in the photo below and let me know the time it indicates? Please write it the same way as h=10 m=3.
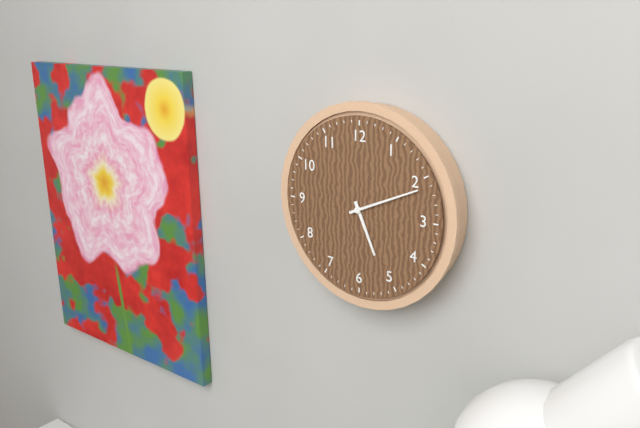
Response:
h=5 m=11
